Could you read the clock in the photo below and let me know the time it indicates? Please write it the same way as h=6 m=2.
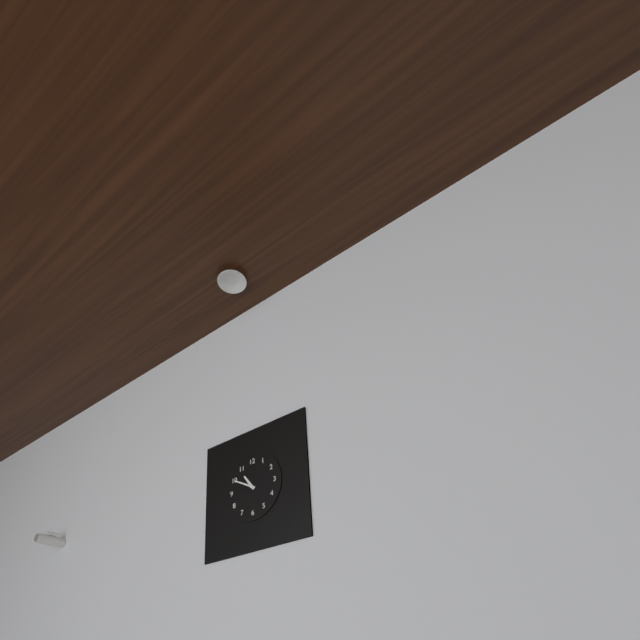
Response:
h=10 m=50
